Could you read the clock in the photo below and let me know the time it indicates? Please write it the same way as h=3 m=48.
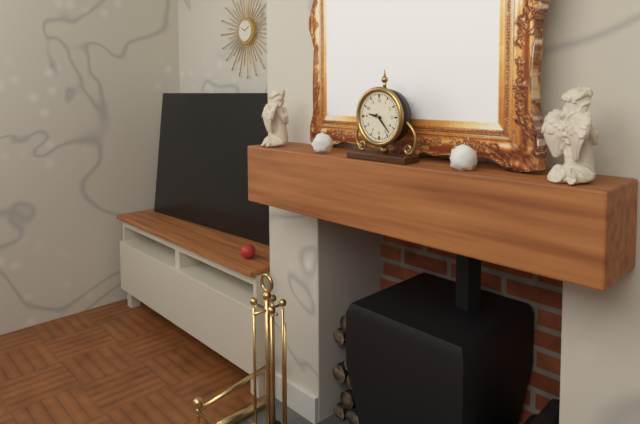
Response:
h=9 m=23
